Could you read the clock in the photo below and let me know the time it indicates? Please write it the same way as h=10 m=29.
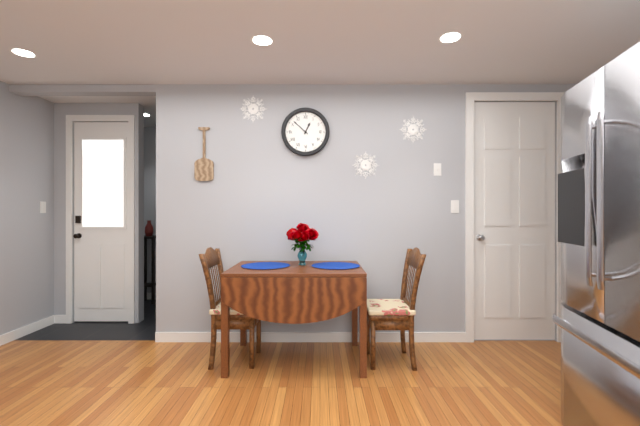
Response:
h=12 m=52
